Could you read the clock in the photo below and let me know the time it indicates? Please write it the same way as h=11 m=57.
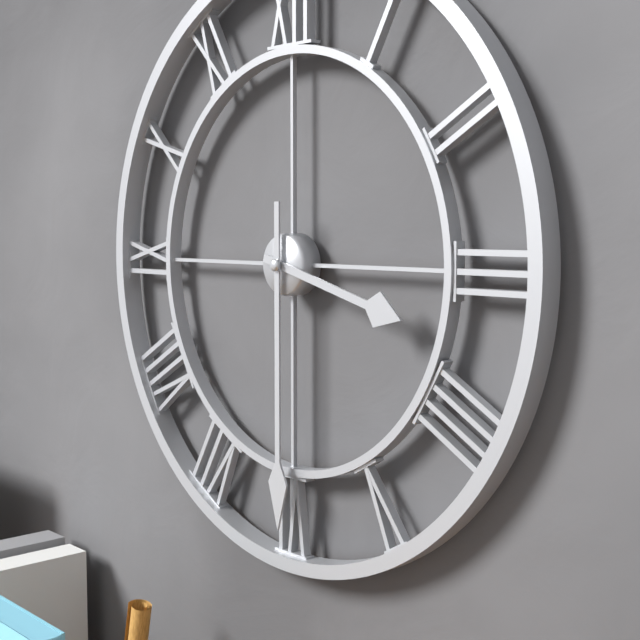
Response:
h=3 m=30
